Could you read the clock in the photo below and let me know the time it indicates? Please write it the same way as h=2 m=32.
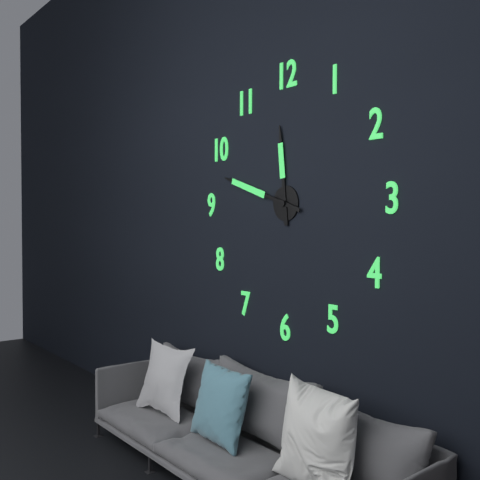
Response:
h=11 m=48
